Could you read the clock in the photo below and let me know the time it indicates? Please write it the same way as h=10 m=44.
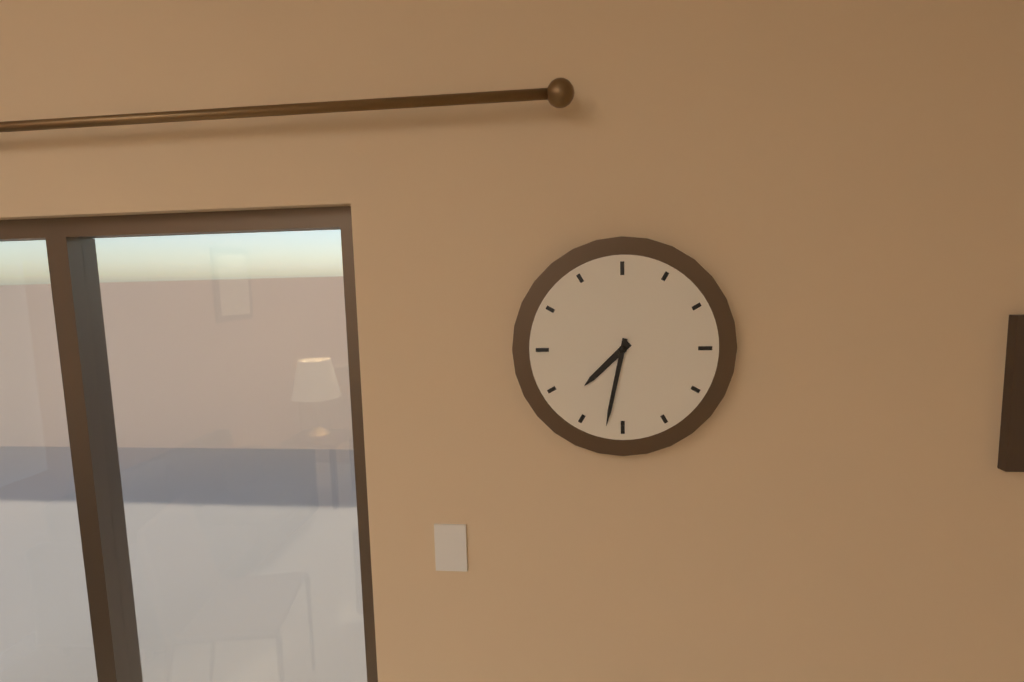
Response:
h=7 m=32
